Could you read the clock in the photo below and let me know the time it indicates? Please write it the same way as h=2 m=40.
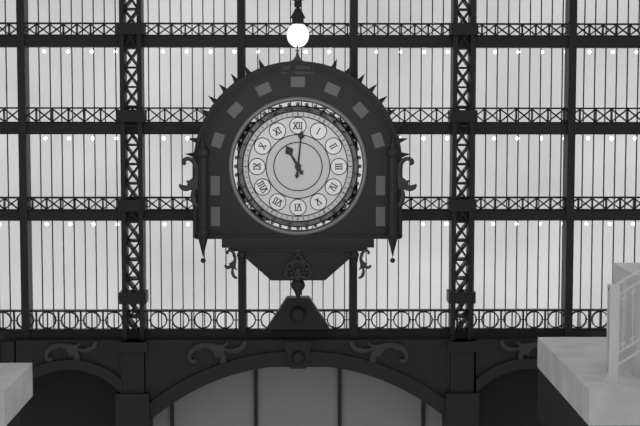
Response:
h=11 m=1
